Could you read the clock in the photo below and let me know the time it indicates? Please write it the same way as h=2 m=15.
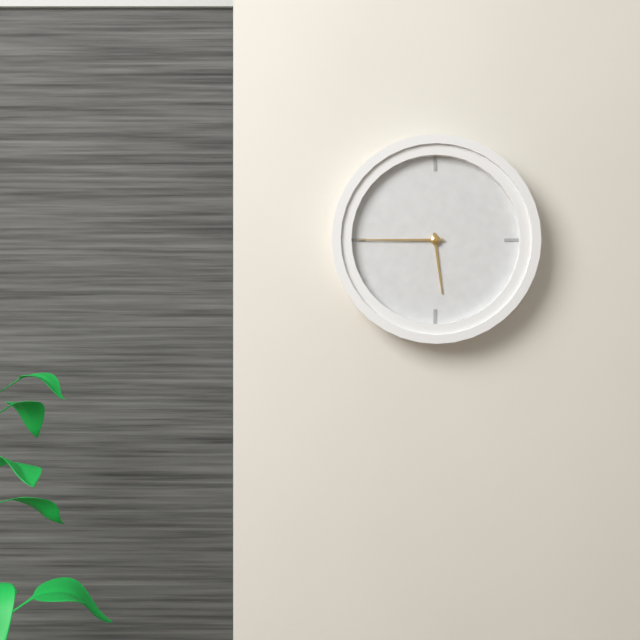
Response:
h=5 m=45
